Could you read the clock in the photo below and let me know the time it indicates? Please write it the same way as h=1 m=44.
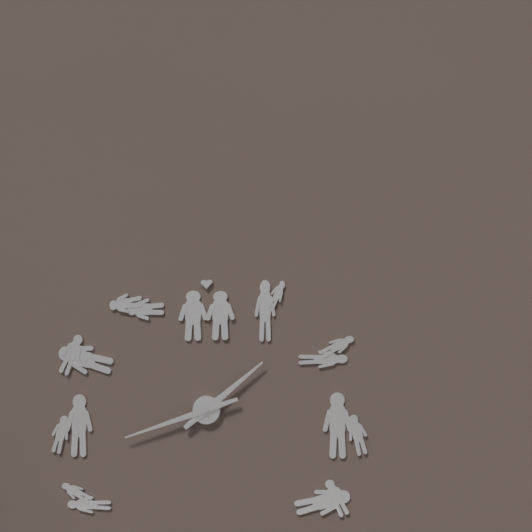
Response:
h=1 m=42
